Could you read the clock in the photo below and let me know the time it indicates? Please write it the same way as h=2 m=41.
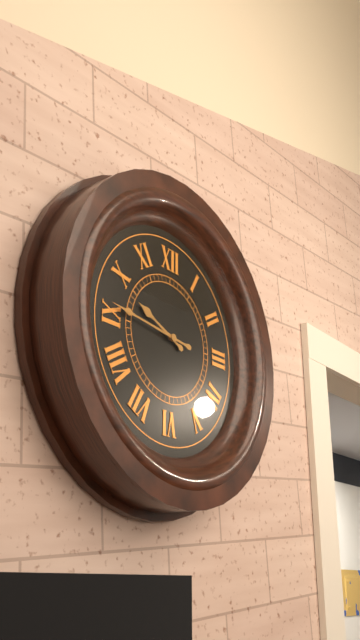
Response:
h=9 m=46
